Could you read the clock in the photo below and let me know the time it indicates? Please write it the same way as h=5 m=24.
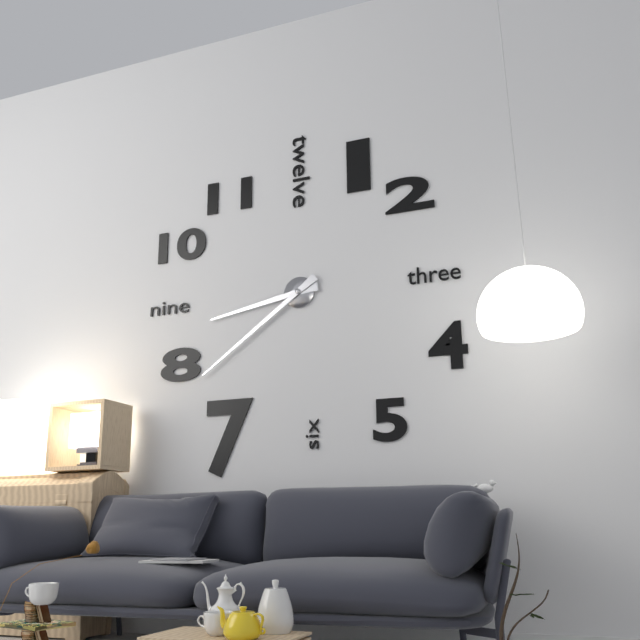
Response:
h=8 m=39
